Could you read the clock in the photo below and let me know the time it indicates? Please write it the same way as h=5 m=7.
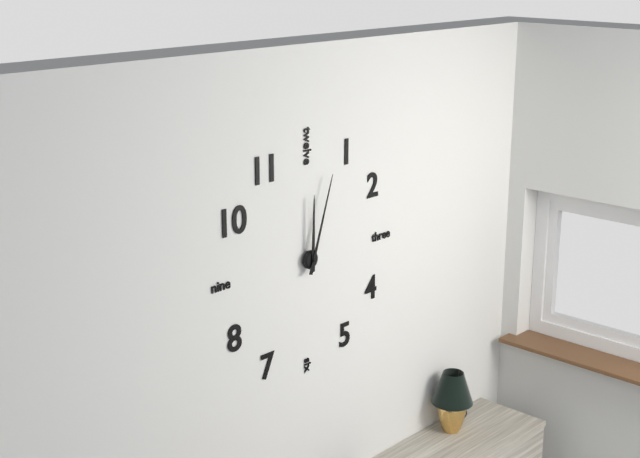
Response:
h=12 m=3
